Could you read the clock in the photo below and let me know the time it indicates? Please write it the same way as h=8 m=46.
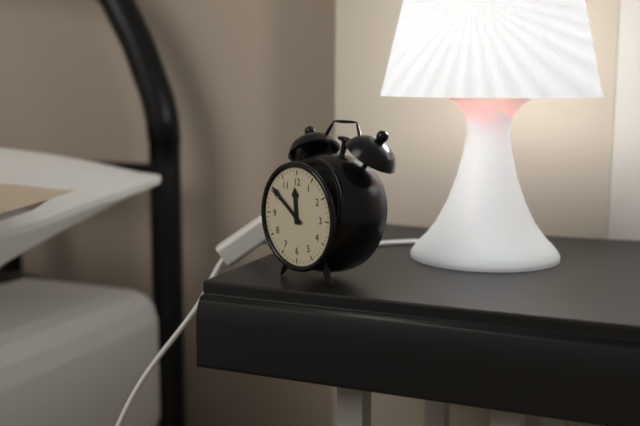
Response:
h=11 m=51
